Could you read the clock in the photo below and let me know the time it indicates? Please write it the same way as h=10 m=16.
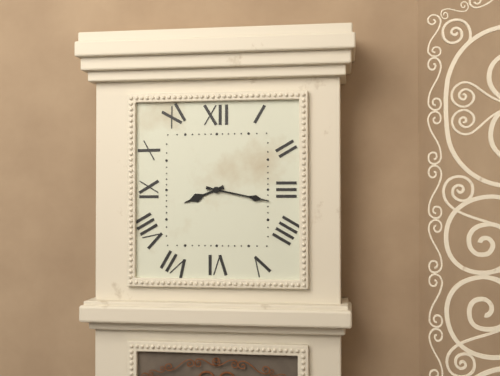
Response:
h=8 m=17
